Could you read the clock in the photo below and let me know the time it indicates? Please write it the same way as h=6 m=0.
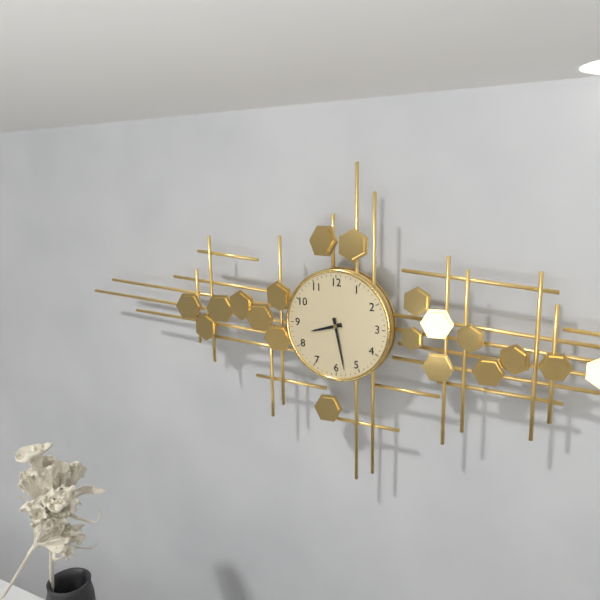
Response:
h=8 m=28
